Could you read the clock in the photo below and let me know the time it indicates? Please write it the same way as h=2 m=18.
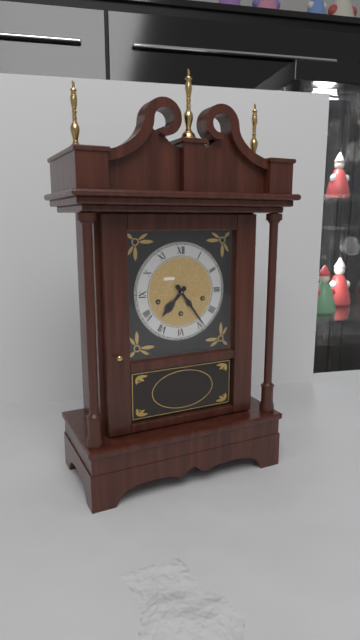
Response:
h=7 m=24
